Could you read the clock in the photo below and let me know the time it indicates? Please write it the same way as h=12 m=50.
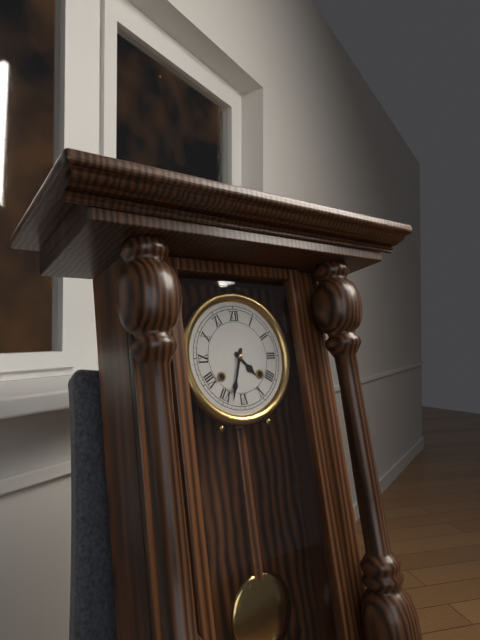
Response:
h=4 m=33
